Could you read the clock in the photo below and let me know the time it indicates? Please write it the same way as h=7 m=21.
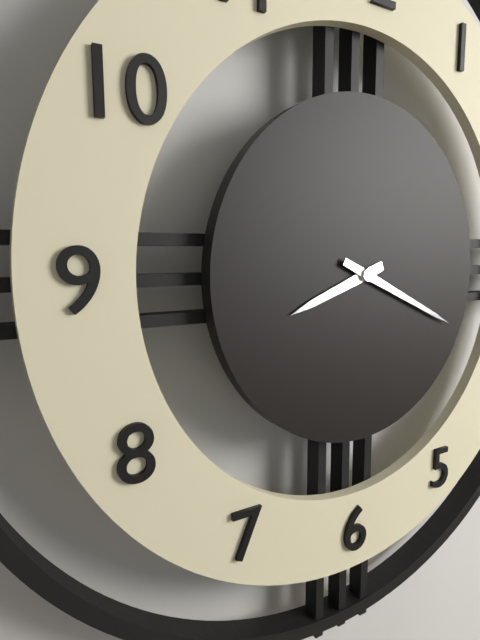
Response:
h=8 m=19
